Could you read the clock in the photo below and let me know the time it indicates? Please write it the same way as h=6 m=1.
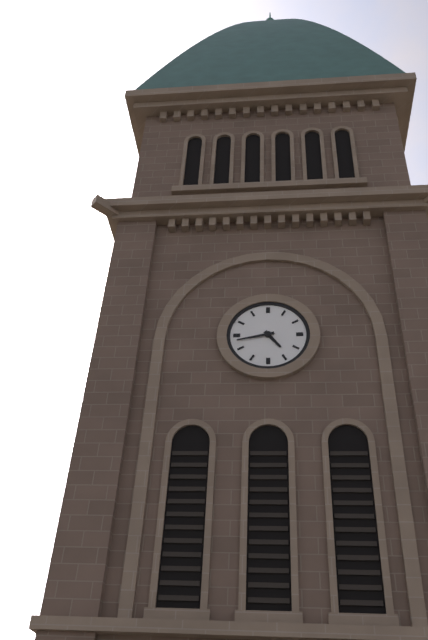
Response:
h=4 m=43
